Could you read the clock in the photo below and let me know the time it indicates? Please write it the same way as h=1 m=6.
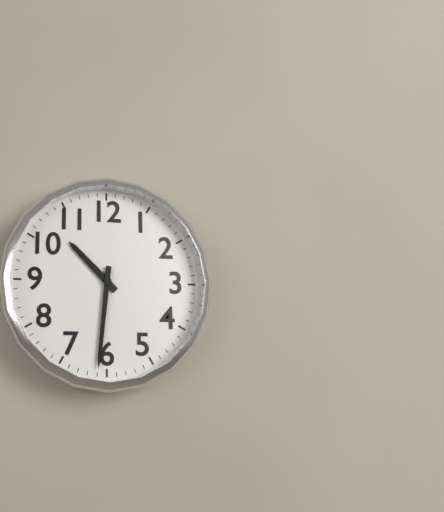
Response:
h=10 m=31
